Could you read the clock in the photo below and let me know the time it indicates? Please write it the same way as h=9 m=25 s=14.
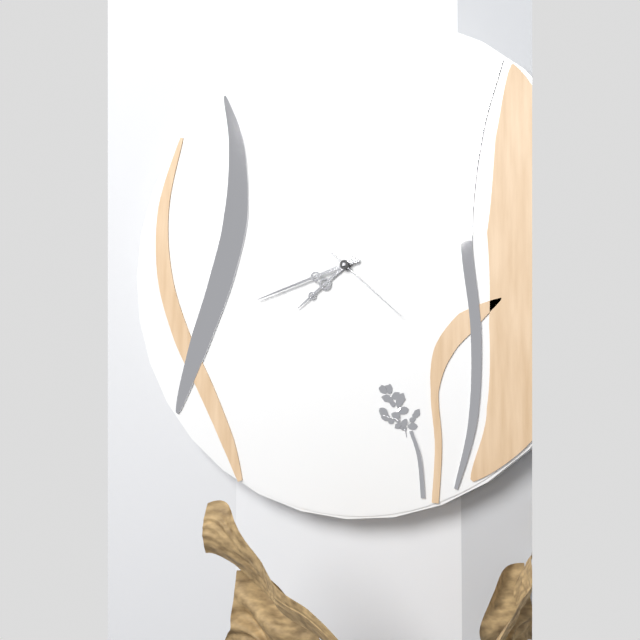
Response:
h=7 m=42 s=22
